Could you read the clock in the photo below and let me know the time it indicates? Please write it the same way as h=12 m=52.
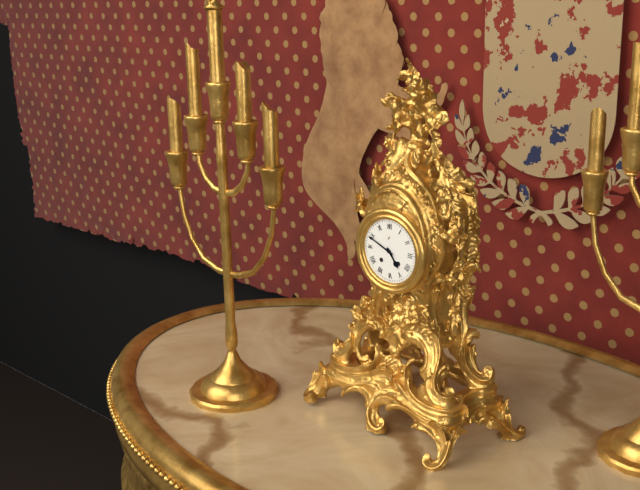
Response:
h=4 m=49
